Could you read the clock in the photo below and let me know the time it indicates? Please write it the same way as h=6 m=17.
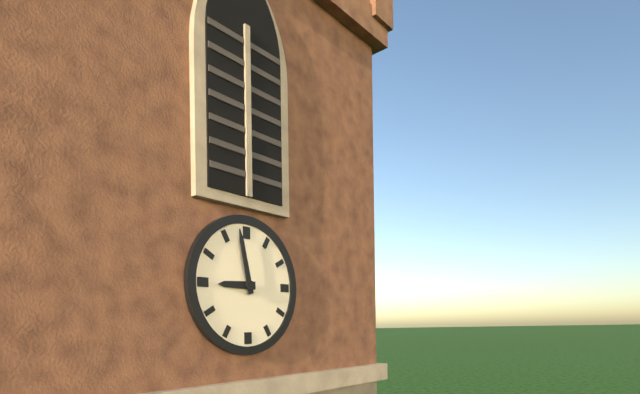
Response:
h=8 m=58
